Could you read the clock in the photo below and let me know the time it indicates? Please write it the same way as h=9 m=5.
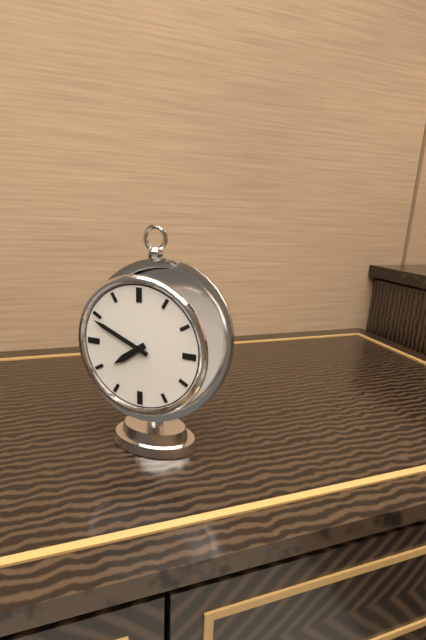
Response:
h=7 m=49
